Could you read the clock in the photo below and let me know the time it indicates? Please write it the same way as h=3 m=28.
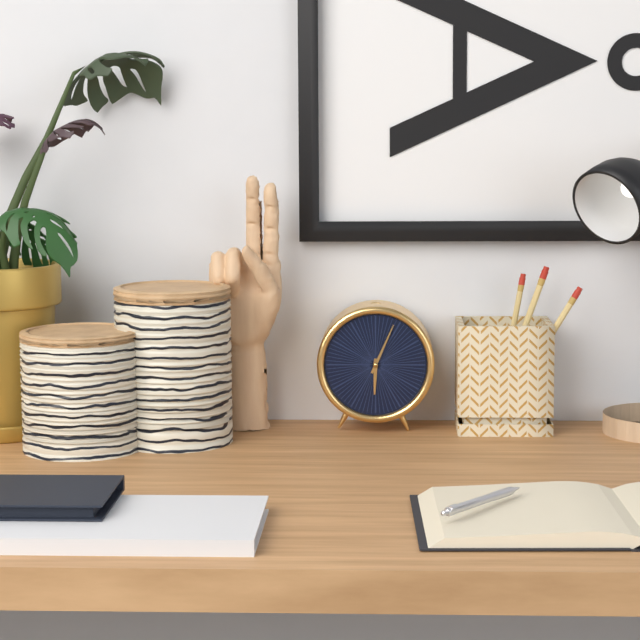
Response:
h=6 m=4
